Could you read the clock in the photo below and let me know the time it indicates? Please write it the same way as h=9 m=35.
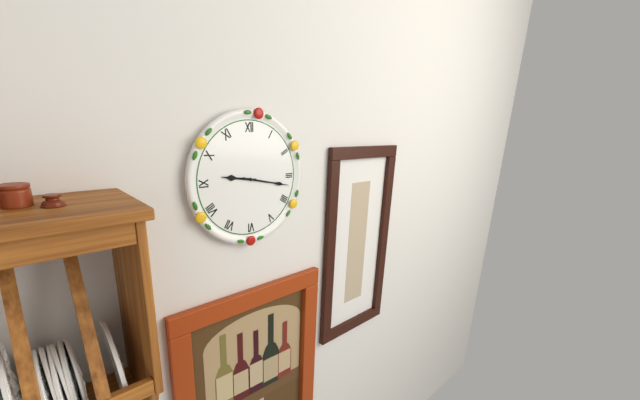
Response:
h=9 m=17
